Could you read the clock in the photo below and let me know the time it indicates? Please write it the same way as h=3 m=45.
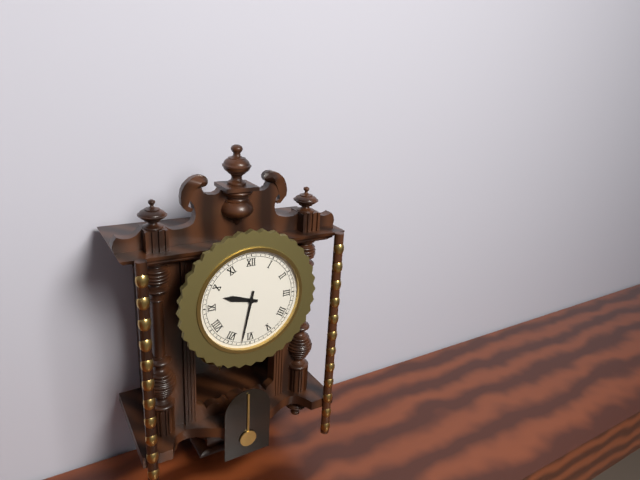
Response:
h=9 m=32
